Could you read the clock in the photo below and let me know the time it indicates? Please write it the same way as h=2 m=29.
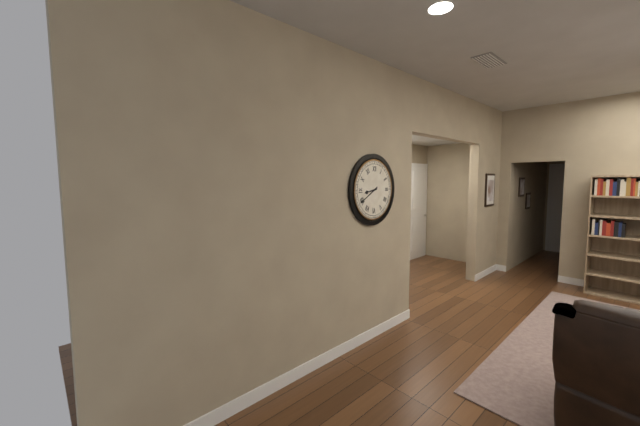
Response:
h=8 m=40
